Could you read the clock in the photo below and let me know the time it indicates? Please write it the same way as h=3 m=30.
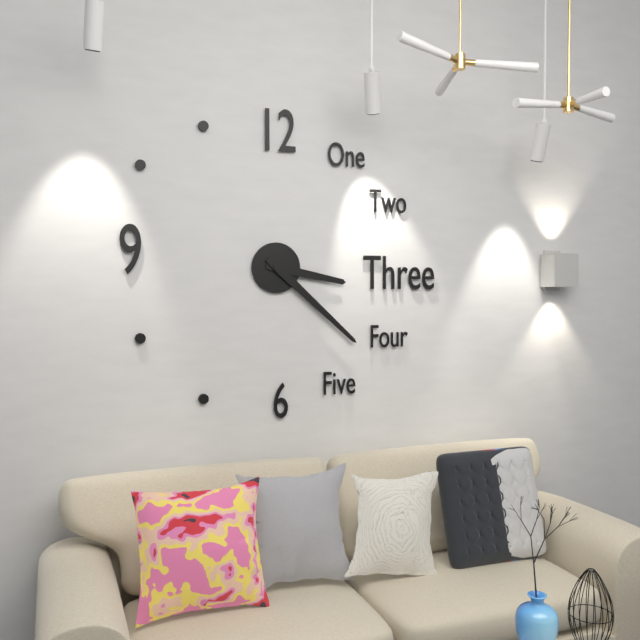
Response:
h=3 m=22
